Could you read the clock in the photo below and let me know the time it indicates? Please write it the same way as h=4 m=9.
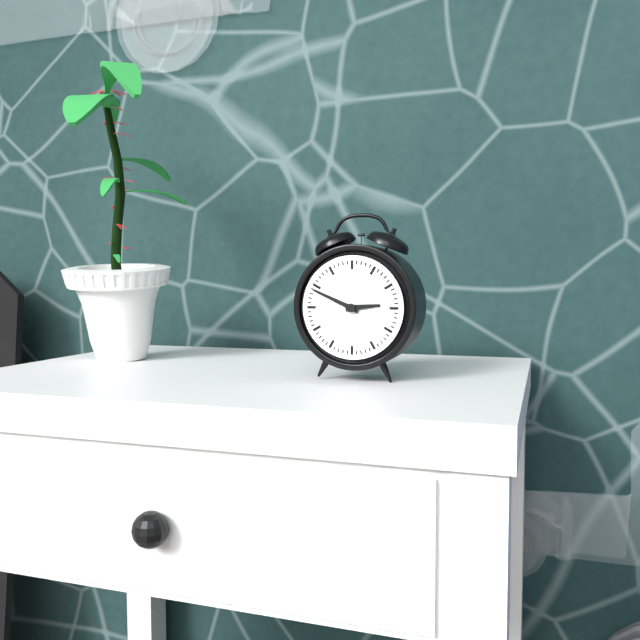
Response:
h=2 m=49
